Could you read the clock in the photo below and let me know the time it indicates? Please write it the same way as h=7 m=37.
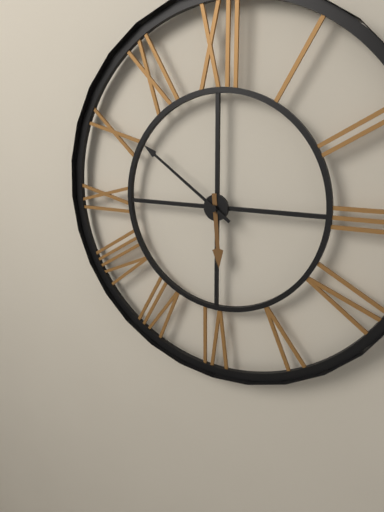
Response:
h=5 m=51
